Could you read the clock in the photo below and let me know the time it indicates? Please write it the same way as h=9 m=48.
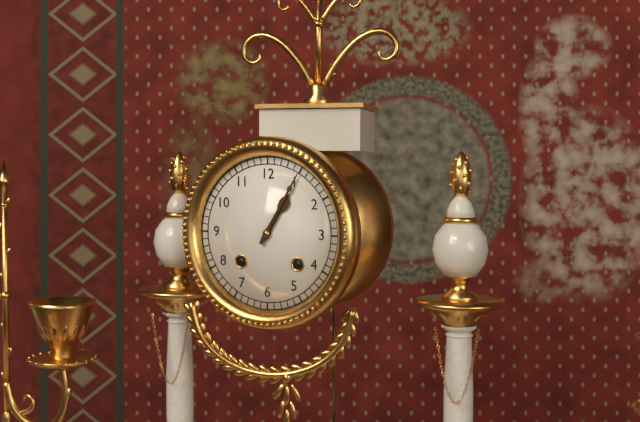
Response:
h=1 m=5
